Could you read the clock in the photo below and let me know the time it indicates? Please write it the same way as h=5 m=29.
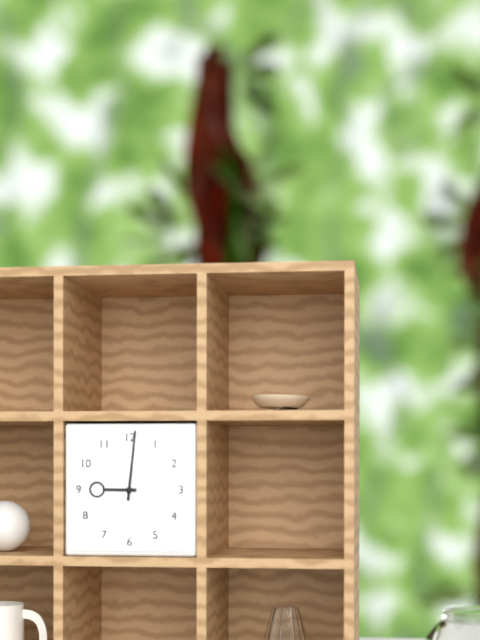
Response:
h=9 m=1
